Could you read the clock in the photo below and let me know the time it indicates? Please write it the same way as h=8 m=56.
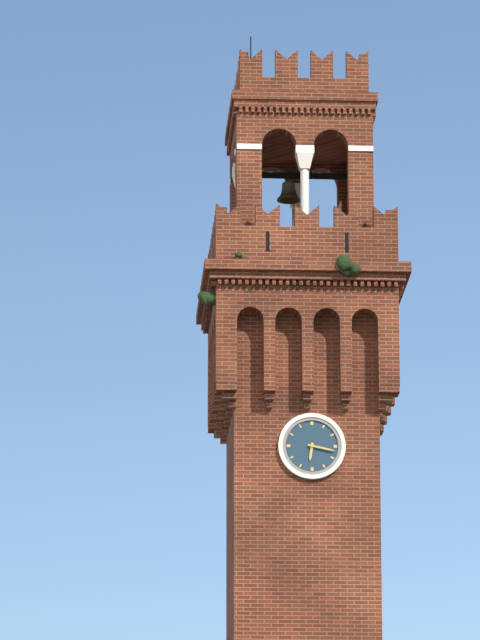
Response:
h=6 m=17
